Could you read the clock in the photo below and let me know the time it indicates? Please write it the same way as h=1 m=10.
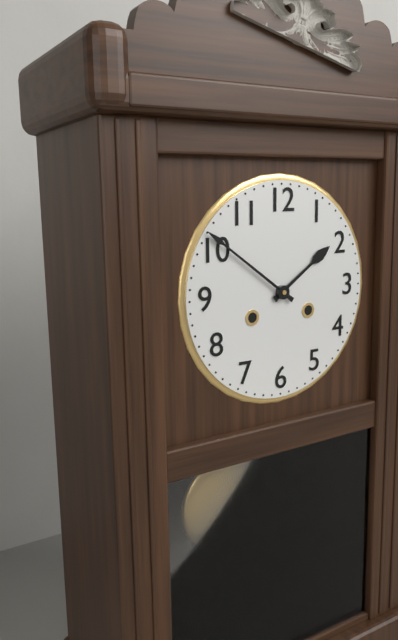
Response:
h=1 m=51
